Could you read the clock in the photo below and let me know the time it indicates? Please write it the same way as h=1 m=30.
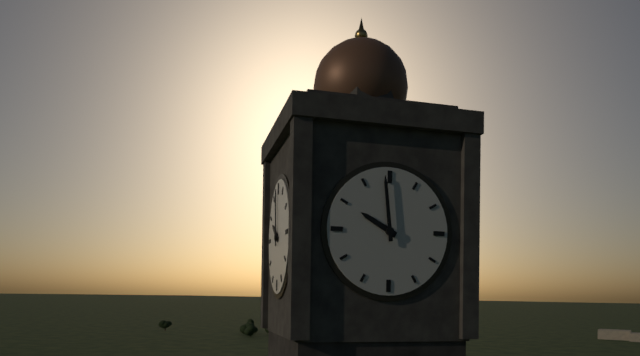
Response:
h=9 m=59
